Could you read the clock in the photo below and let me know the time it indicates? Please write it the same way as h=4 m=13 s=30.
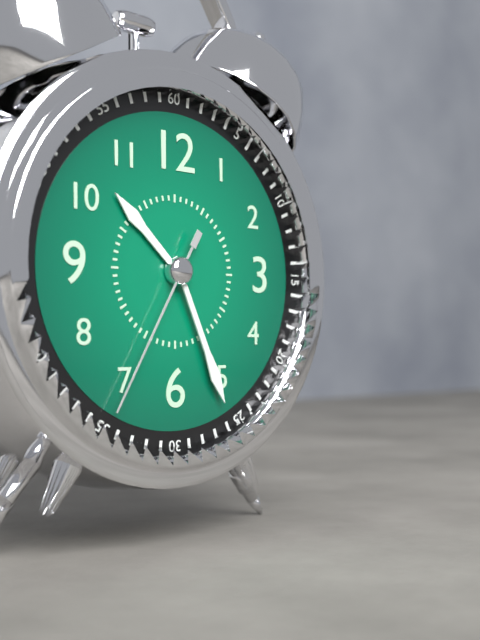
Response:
h=10 m=26 s=35
